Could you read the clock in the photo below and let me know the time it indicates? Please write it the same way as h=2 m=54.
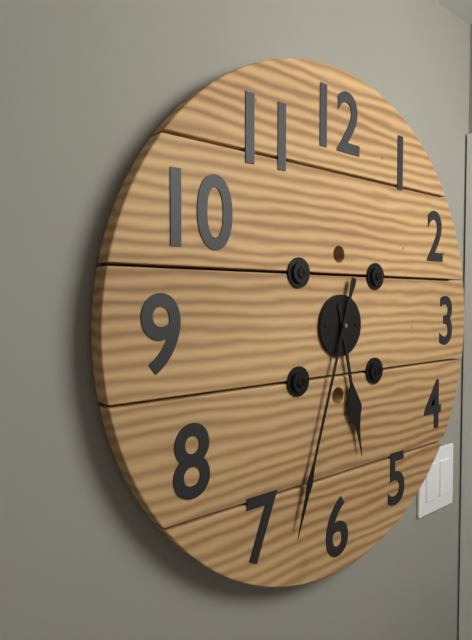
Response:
h=5 m=33
